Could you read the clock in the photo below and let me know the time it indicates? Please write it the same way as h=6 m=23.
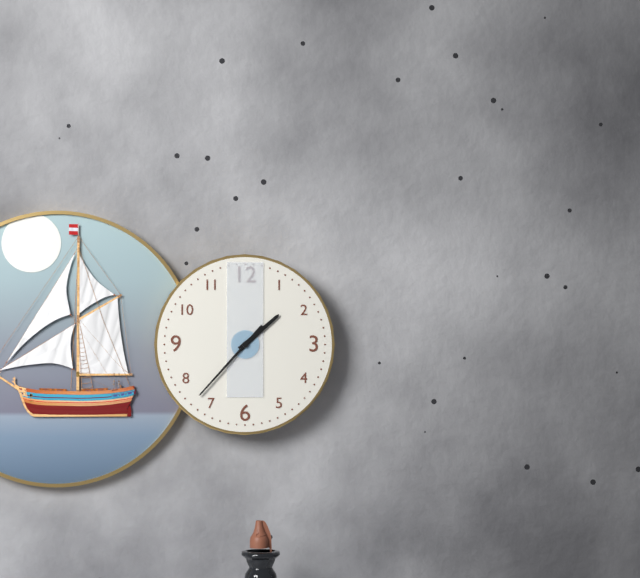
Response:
h=1 m=37
